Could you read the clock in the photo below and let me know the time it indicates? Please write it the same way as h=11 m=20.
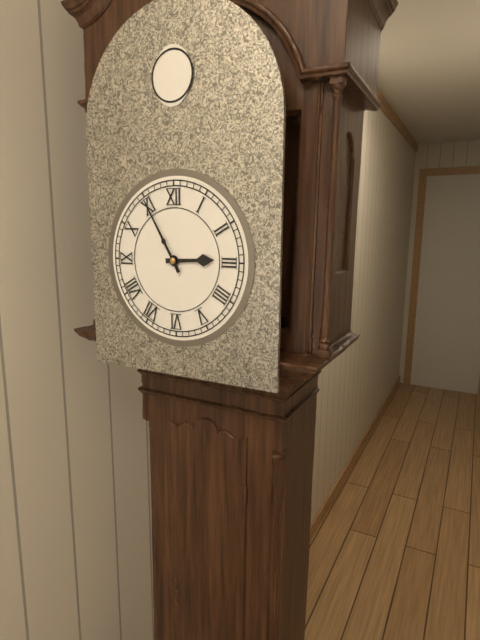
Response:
h=2 m=55
